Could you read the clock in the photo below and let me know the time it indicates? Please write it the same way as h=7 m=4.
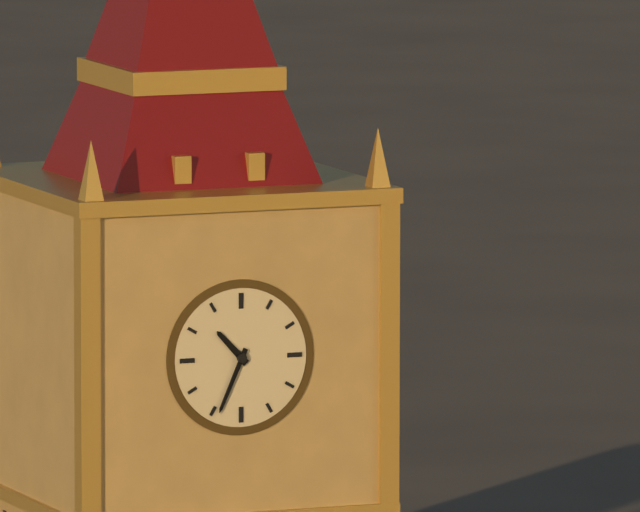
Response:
h=10 m=34
